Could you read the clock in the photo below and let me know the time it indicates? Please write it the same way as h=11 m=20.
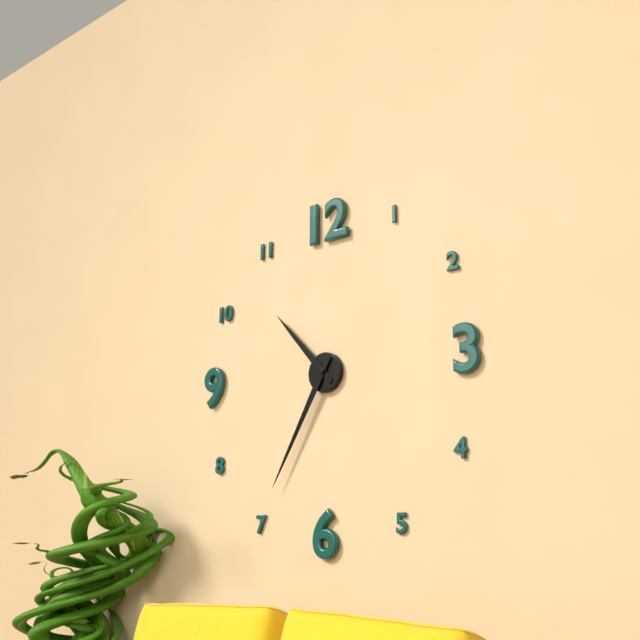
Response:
h=10 m=35
